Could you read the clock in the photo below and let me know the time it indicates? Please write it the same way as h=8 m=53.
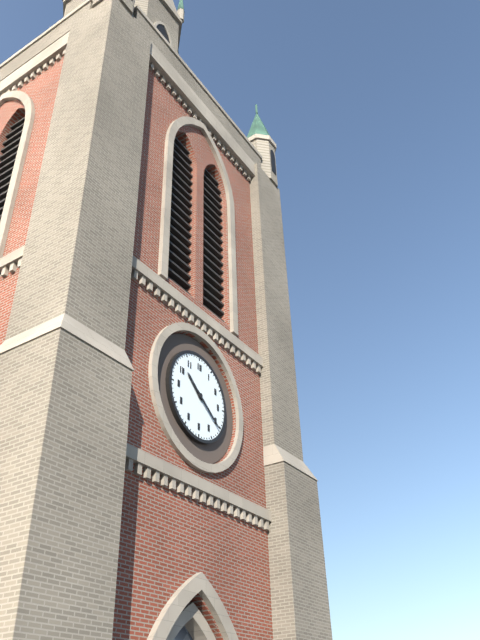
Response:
h=10 m=21
